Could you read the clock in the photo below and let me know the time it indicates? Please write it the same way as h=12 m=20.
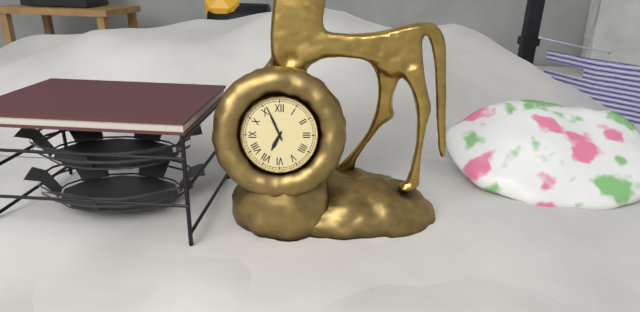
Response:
h=6 m=56
